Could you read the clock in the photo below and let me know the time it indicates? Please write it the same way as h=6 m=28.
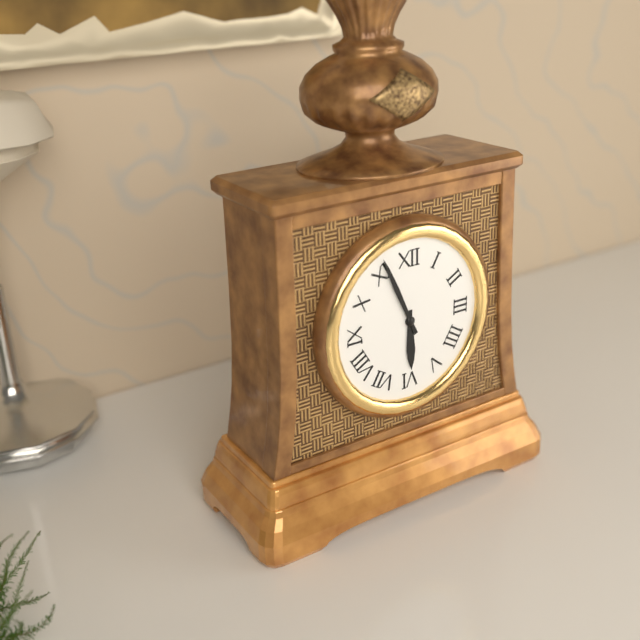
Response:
h=5 m=56
